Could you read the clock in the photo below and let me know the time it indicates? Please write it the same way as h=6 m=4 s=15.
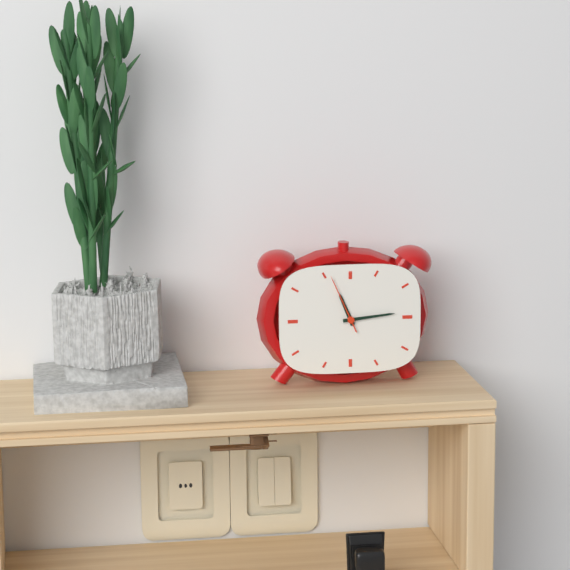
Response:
h=11 m=14 s=56
